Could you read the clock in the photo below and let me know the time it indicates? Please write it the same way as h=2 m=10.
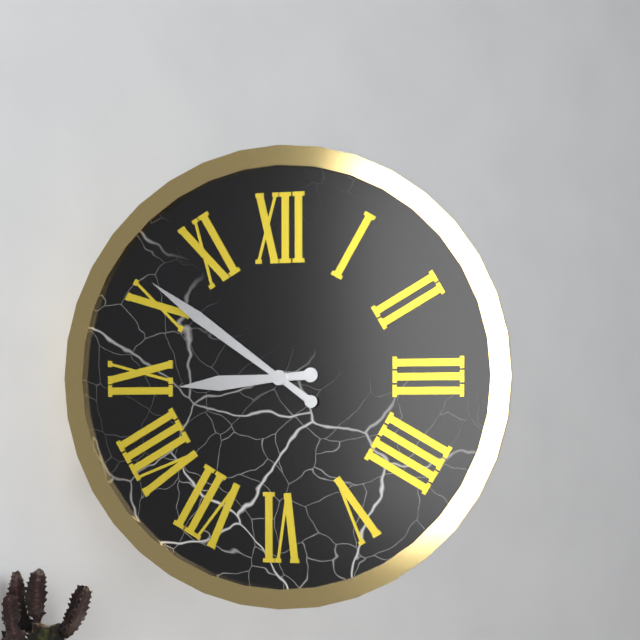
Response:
h=8 m=51
